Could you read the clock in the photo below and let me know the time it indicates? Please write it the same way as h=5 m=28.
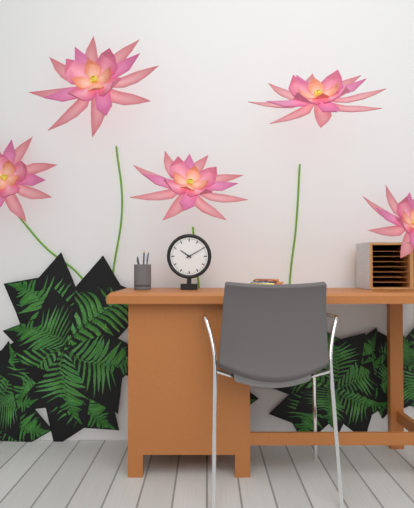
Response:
h=10 m=10
